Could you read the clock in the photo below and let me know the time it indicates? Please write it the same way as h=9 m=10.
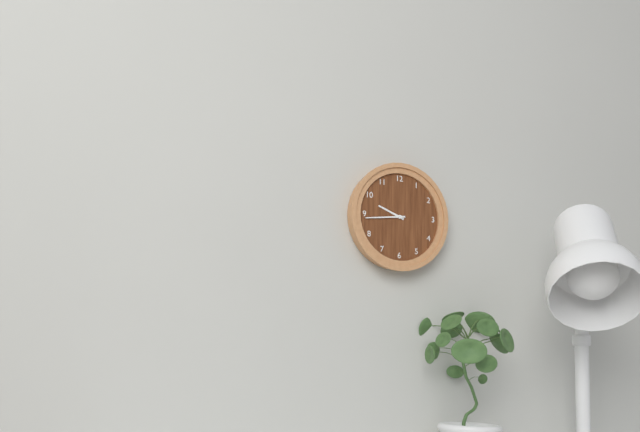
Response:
h=9 m=44
